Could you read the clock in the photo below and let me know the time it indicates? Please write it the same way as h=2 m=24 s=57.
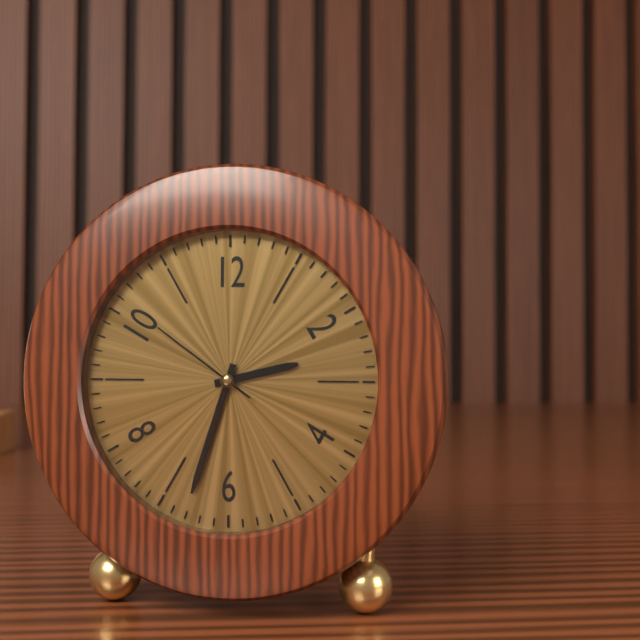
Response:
h=2 m=33 s=51
